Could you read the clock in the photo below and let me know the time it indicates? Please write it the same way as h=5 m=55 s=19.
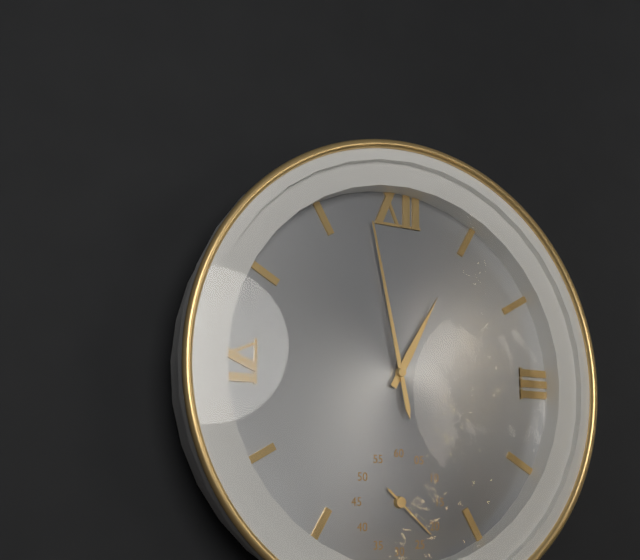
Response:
h=12 m=58 s=22
